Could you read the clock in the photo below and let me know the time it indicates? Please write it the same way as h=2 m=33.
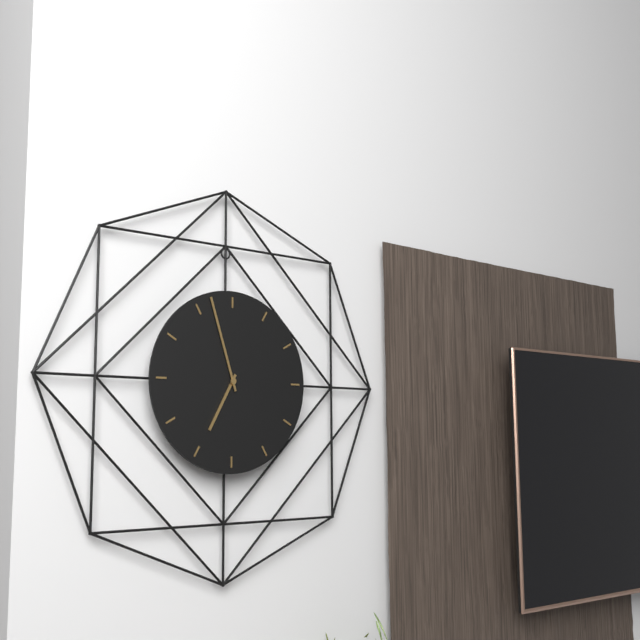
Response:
h=6 m=57
